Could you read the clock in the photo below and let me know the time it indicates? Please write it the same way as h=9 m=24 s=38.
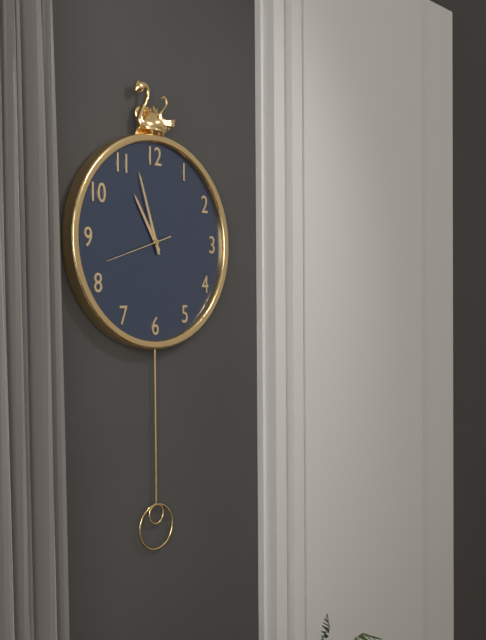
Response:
h=10 m=57 s=42
